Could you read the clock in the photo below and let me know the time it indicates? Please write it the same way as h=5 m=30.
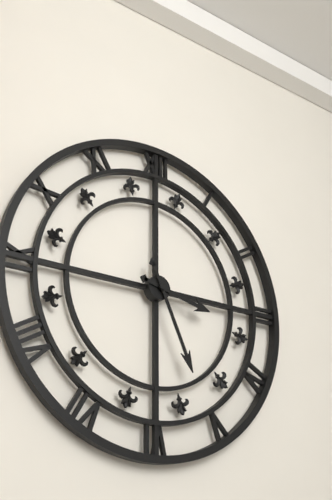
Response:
h=3 m=26
